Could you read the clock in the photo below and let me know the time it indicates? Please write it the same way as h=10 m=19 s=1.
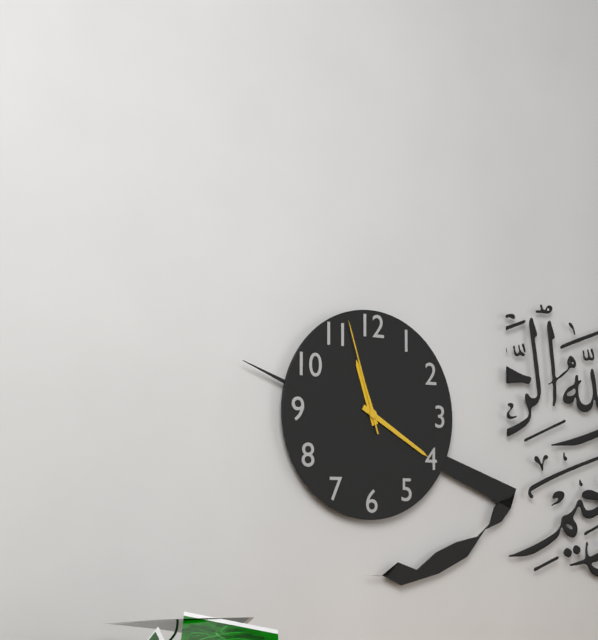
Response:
h=11 m=20 s=57
